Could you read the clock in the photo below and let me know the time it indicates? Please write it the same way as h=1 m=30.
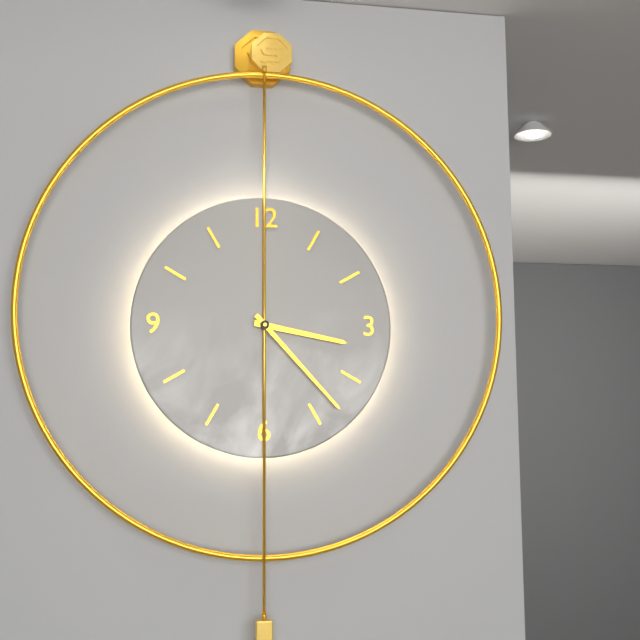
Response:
h=3 m=23
